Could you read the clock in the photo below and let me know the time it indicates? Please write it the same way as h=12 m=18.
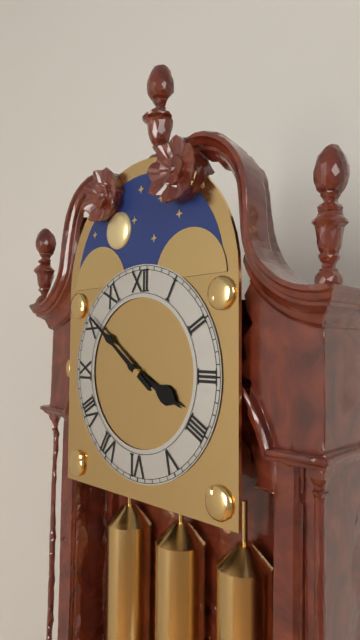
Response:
h=3 m=51
